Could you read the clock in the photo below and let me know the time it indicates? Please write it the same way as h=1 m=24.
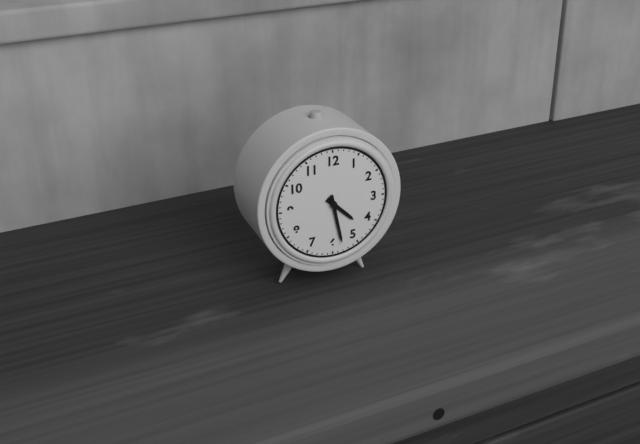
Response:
h=4 m=28
